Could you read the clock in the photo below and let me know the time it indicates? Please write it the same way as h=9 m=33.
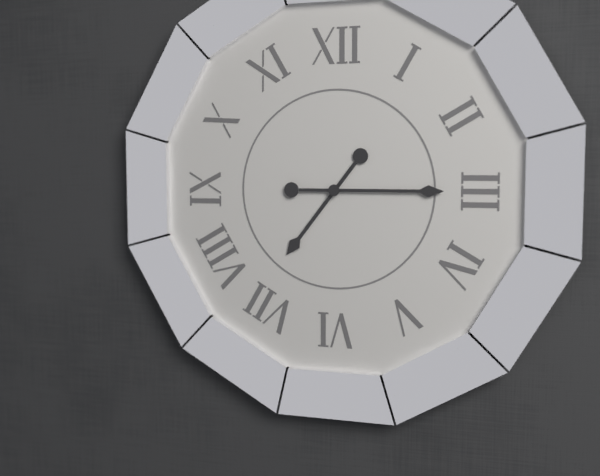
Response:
h=7 m=15
